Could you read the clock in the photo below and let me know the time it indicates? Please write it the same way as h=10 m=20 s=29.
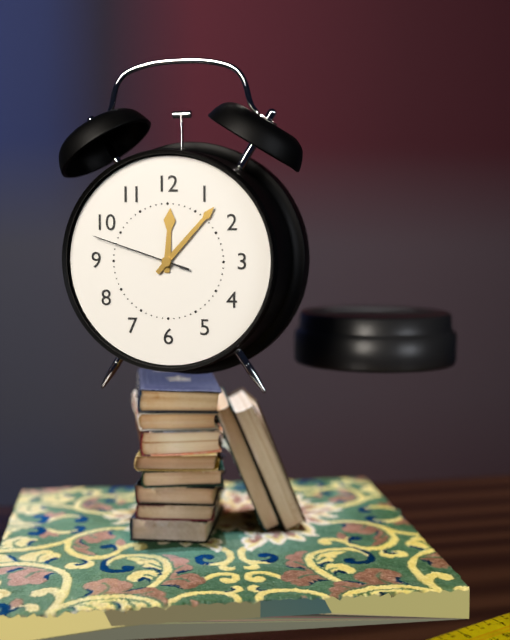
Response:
h=12 m=7 s=48
